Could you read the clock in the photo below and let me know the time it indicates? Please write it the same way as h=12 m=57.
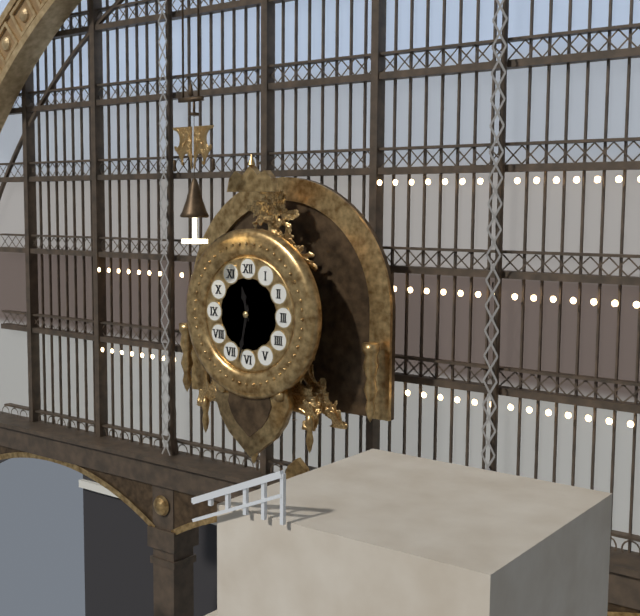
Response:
h=11 m=32
